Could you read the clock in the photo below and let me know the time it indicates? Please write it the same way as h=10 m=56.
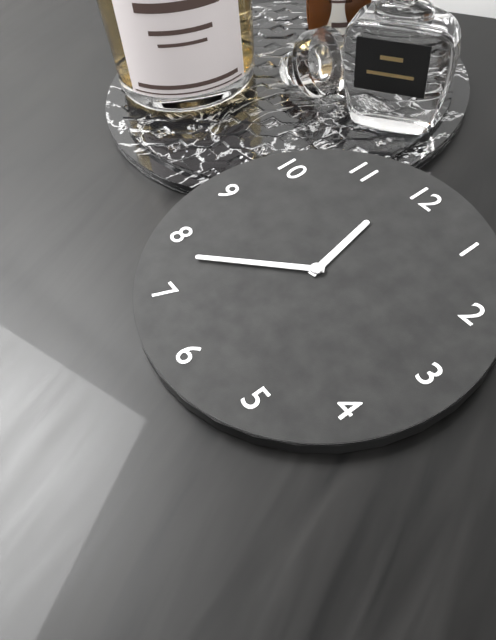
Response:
h=11 m=38
